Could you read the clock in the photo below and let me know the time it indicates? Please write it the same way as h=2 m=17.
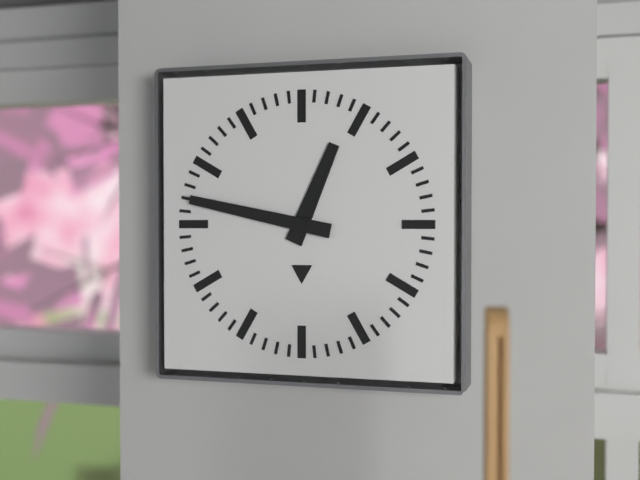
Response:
h=12 m=47
